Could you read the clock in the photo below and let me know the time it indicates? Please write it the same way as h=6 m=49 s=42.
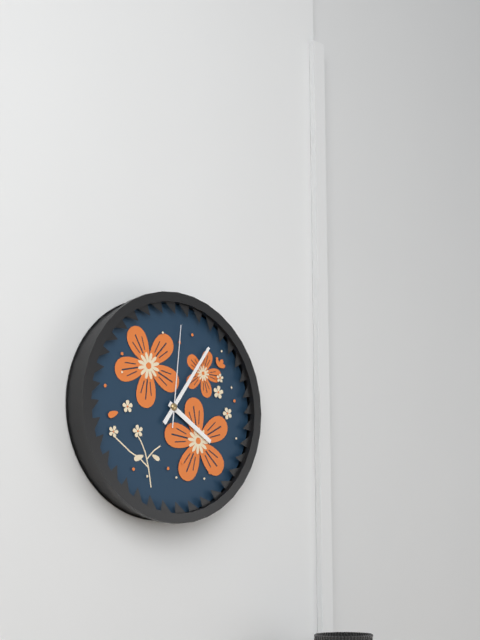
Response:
h=4 m=6 s=1
